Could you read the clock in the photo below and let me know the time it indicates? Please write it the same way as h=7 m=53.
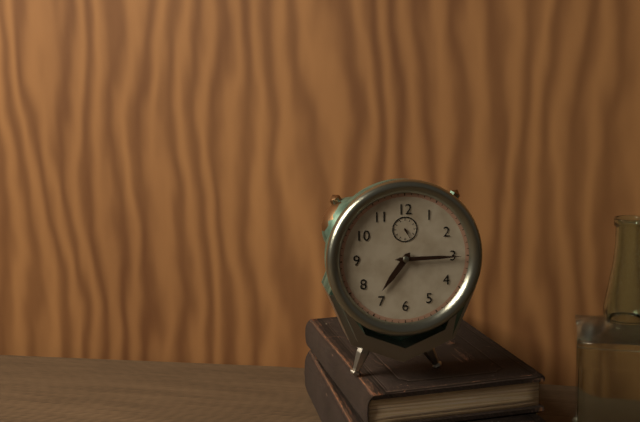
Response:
h=7 m=15
